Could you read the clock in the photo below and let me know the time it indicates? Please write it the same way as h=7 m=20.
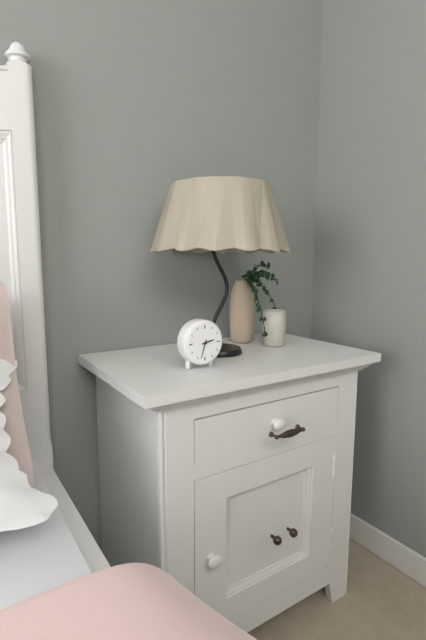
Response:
h=2 m=33
